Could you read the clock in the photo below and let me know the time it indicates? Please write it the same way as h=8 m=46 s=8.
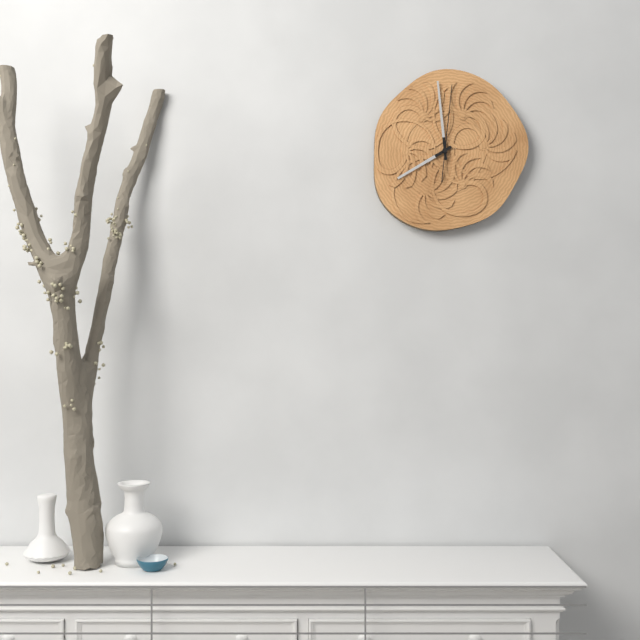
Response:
h=7 m=59 s=1
